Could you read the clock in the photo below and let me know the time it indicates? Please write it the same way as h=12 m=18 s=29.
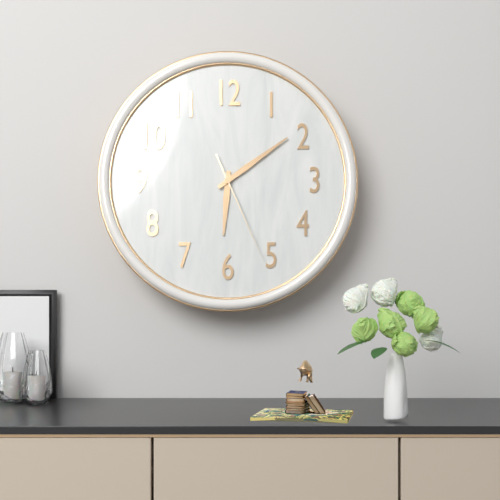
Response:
h=6 m=9 s=26
